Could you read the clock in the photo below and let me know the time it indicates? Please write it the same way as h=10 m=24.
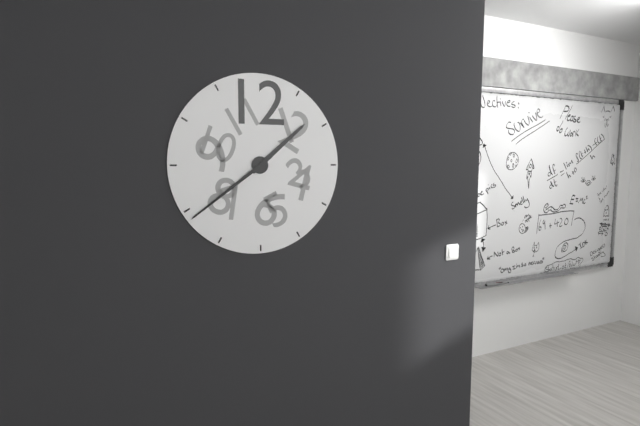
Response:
h=1 m=39
